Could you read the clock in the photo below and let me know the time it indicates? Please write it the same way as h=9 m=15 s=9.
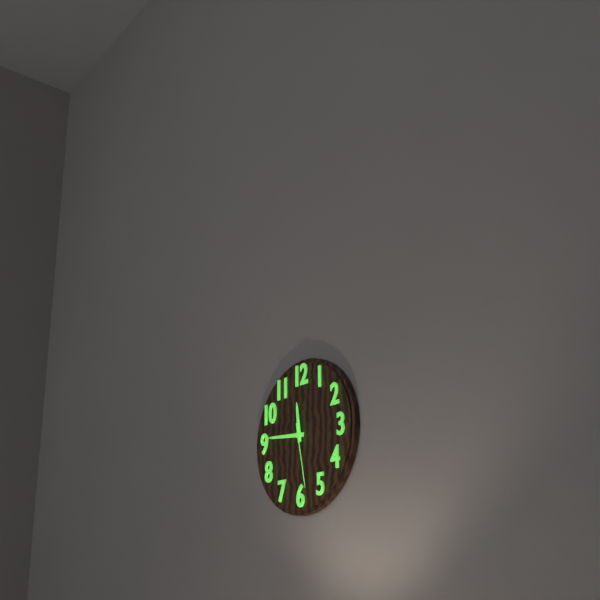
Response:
h=11 m=46 s=28
